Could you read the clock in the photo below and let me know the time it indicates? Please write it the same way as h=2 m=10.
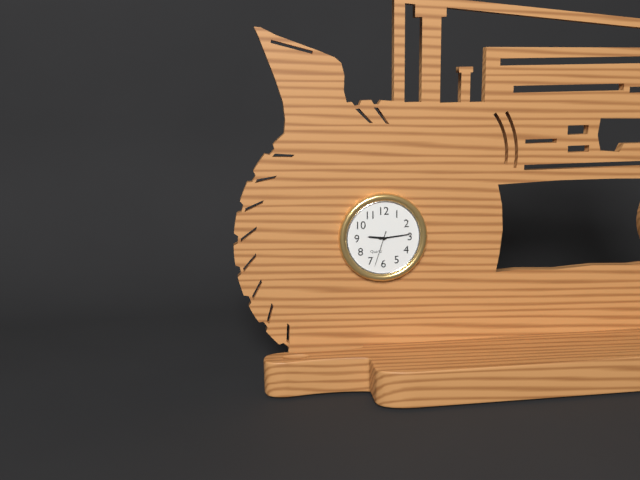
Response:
h=9 m=14
